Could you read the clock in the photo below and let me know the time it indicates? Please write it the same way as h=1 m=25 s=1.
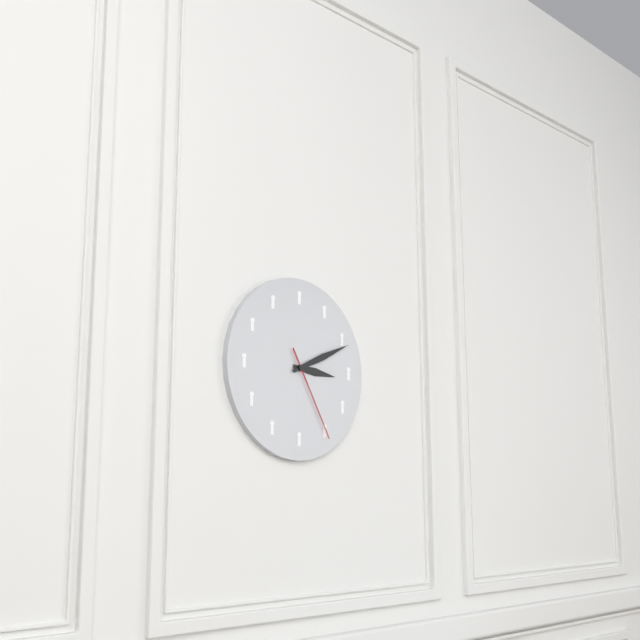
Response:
h=3 m=11 s=25
